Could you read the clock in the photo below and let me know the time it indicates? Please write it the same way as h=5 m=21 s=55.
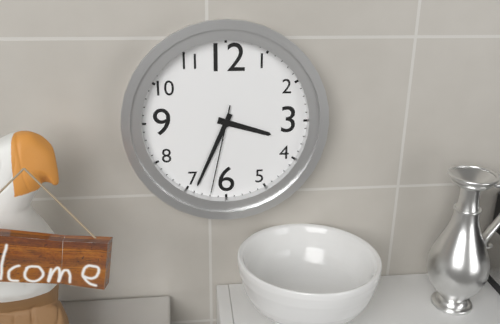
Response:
h=3 m=34 s=32
